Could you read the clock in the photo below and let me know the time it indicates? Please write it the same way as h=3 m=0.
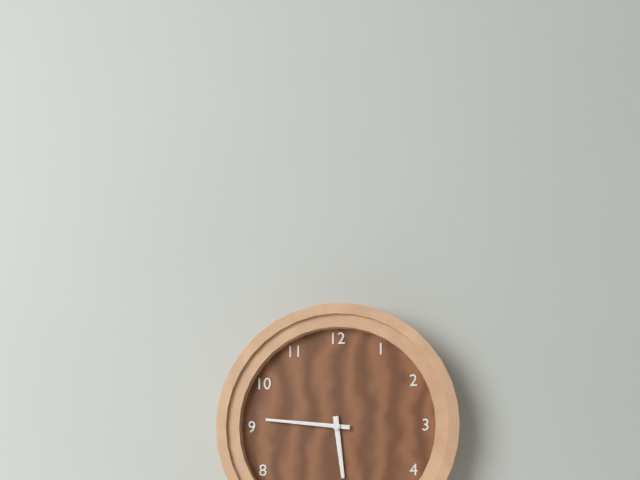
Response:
h=5 m=46
